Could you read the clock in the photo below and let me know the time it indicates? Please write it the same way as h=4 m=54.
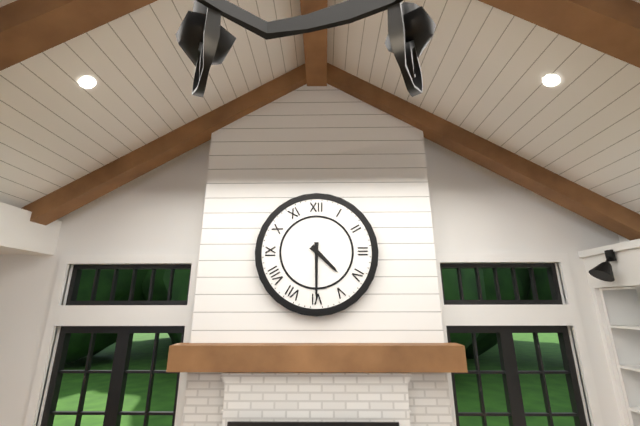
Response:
h=4 m=30
